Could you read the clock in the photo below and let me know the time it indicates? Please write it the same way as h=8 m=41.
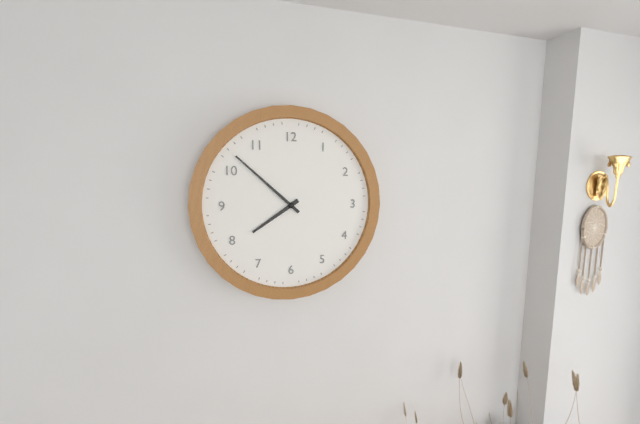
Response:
h=7 m=52
